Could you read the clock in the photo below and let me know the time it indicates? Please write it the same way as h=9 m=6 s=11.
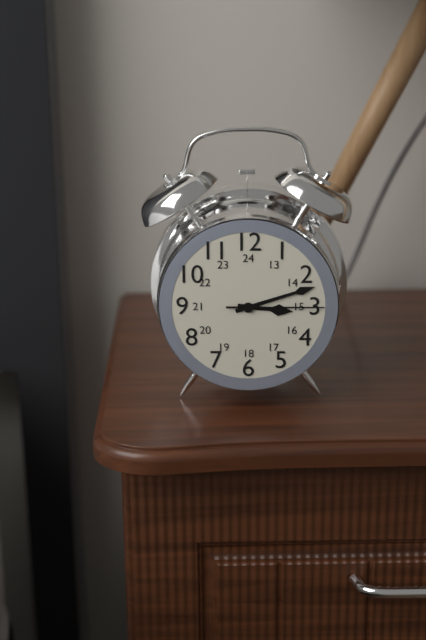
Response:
h=3 m=12 s=15
